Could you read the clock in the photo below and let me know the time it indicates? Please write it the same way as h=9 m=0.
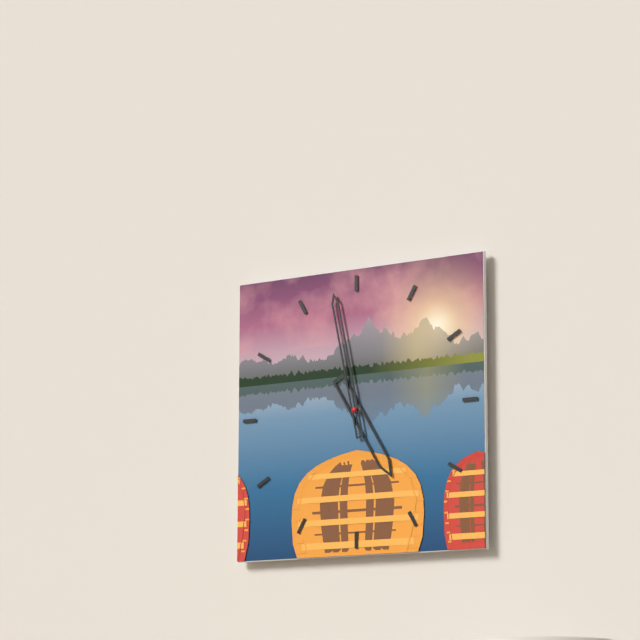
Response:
h=4 m=58
